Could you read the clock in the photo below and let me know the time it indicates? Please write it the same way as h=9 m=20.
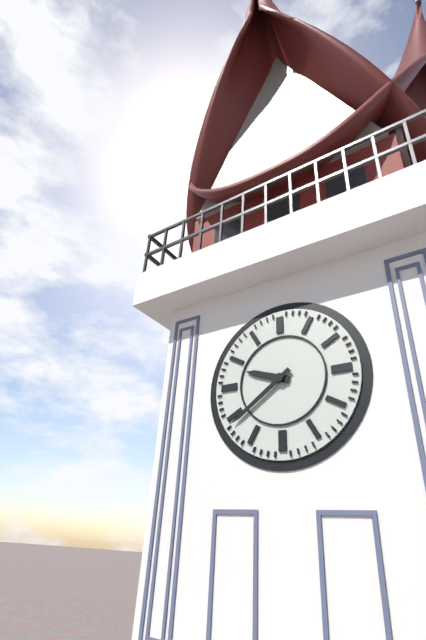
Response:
h=9 m=39
